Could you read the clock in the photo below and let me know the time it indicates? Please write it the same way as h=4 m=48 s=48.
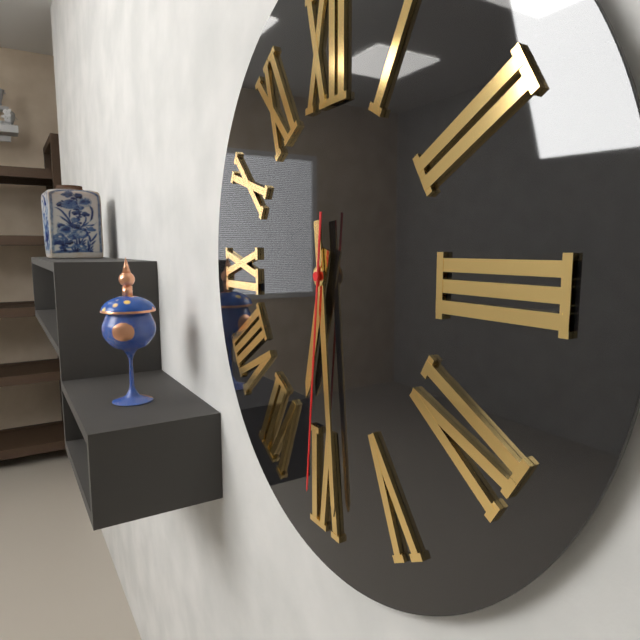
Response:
h=6 m=29 s=31
